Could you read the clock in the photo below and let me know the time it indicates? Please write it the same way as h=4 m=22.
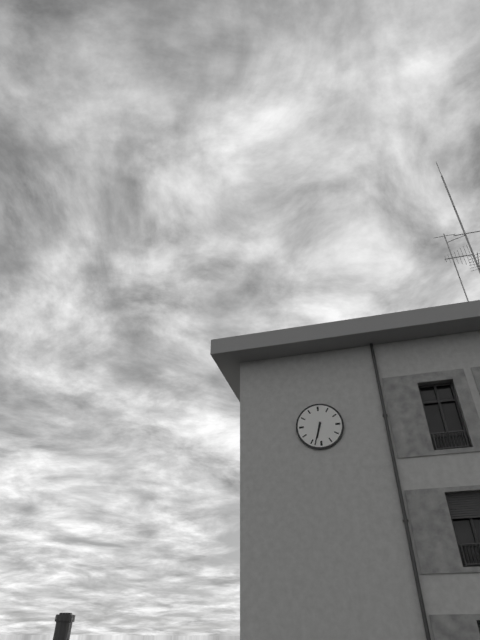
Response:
h=6 m=33
